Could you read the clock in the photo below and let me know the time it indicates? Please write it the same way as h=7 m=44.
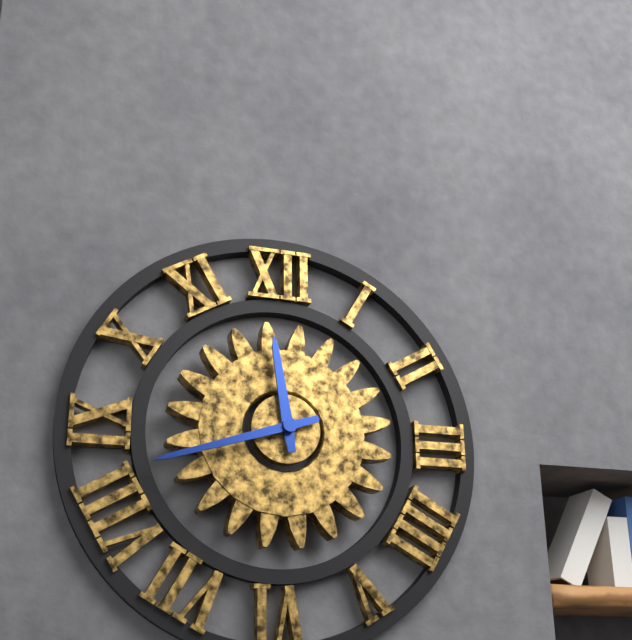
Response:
h=11 m=42
